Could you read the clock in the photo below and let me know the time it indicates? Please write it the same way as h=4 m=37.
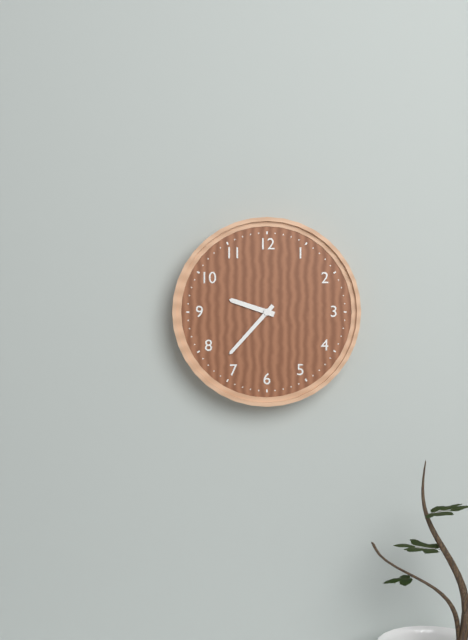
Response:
h=9 m=37
